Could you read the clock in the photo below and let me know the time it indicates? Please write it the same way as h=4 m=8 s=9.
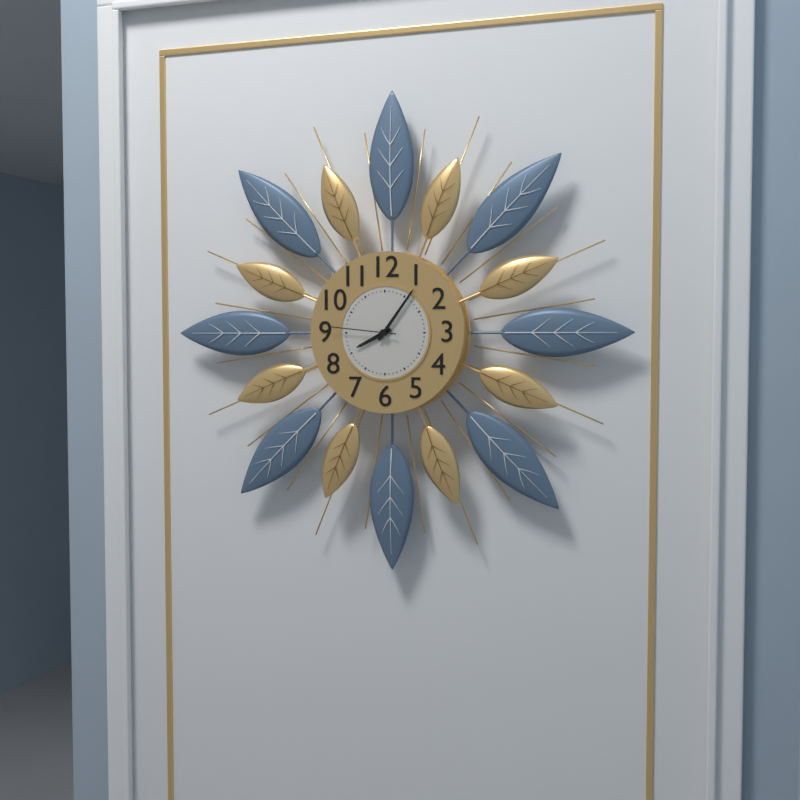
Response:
h=8 m=6 s=46
